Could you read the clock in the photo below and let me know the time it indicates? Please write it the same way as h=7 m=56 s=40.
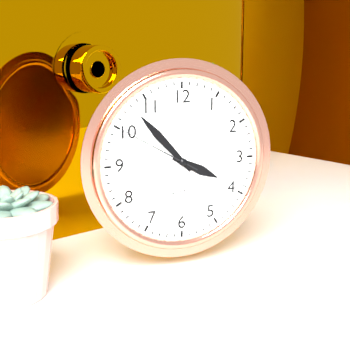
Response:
h=3 m=53 s=50
